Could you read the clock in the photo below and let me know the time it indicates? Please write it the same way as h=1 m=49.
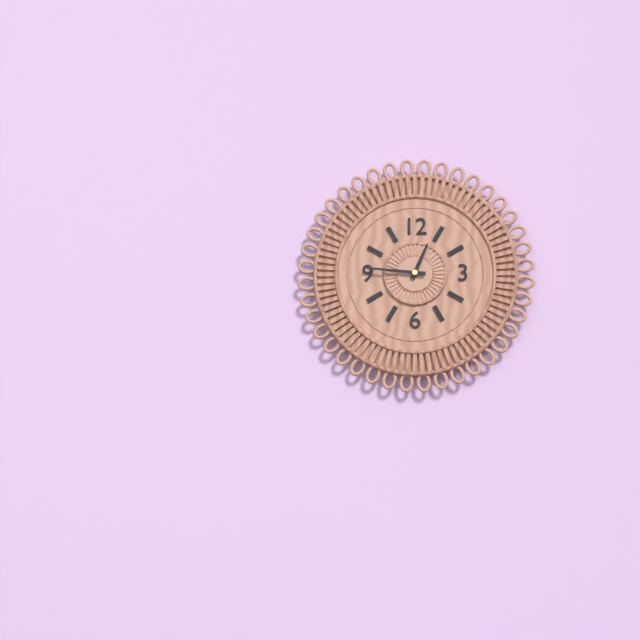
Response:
h=12 m=46
